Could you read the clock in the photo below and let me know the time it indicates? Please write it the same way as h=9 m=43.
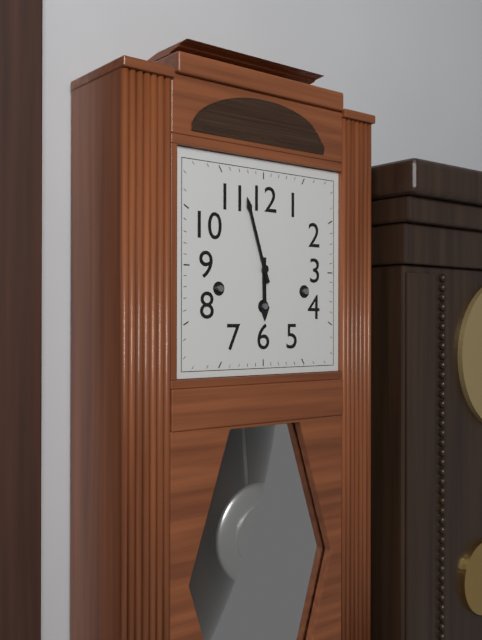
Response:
h=5 m=57
